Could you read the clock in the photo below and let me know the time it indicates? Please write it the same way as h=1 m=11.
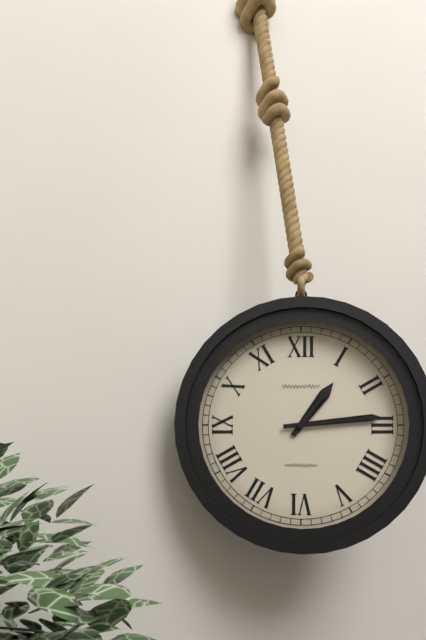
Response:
h=1 m=14
